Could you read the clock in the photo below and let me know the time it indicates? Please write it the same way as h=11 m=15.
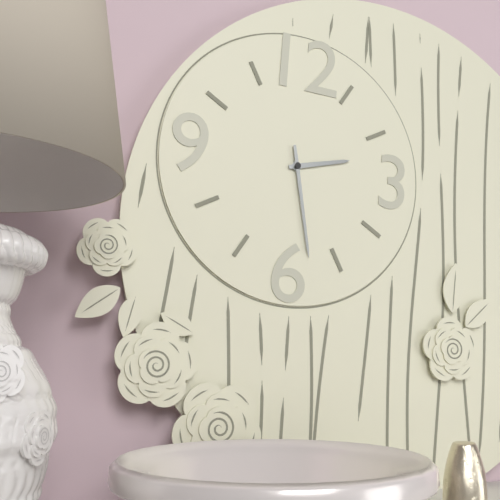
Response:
h=2 m=28
